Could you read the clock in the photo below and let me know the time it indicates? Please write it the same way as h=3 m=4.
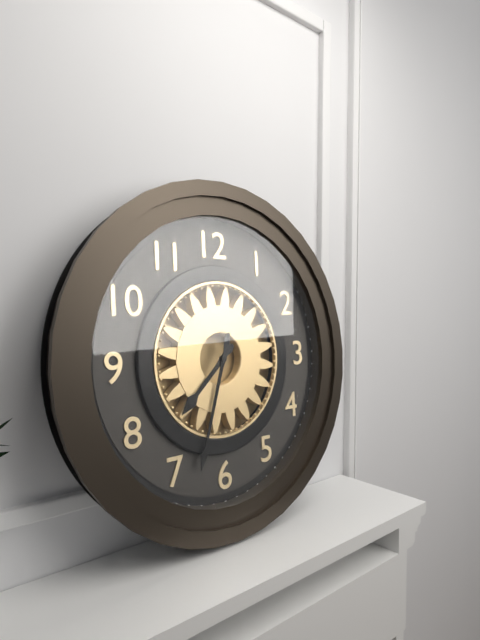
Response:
h=7 m=33
